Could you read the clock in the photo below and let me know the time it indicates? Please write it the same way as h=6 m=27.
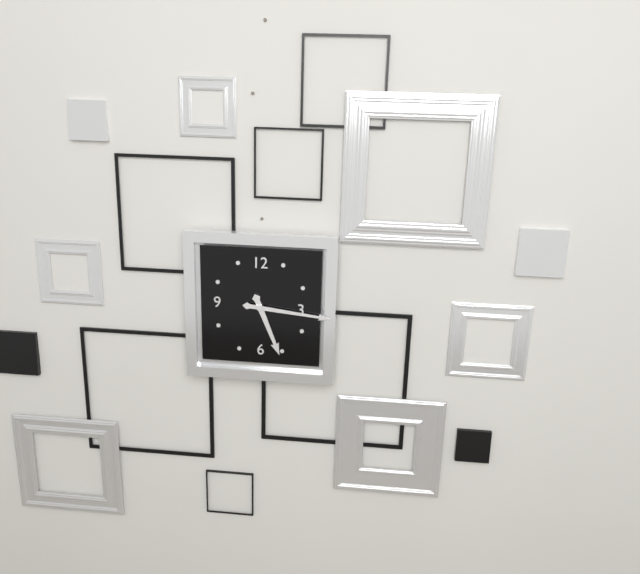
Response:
h=5 m=16
